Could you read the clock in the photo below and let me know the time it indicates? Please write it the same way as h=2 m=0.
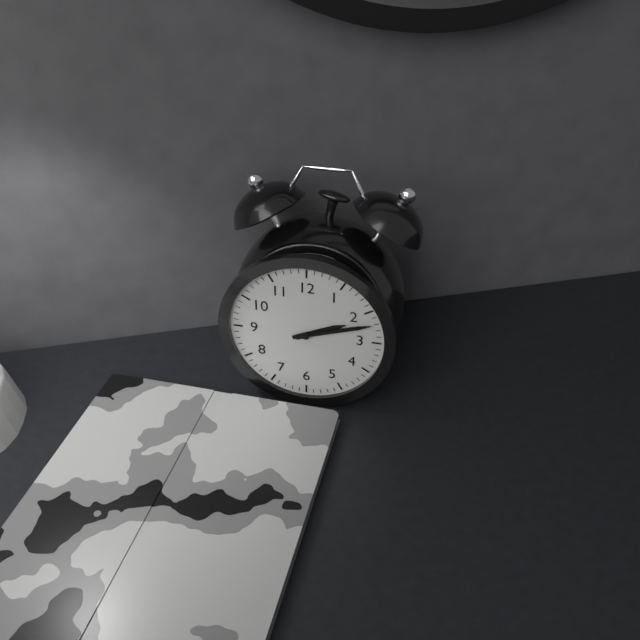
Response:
h=2 m=12
